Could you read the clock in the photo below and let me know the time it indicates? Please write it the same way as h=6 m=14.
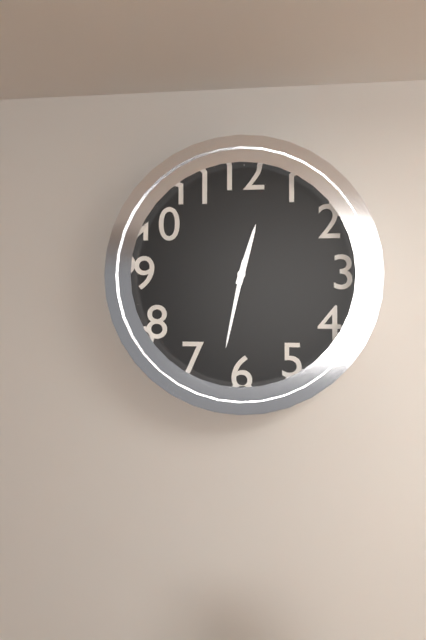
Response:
h=12 m=32
